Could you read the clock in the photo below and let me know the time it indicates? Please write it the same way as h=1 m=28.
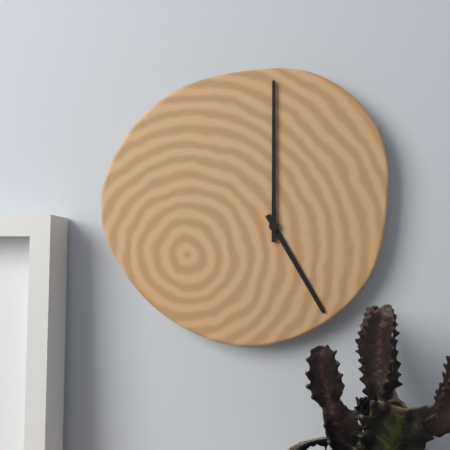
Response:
h=5 m=0
